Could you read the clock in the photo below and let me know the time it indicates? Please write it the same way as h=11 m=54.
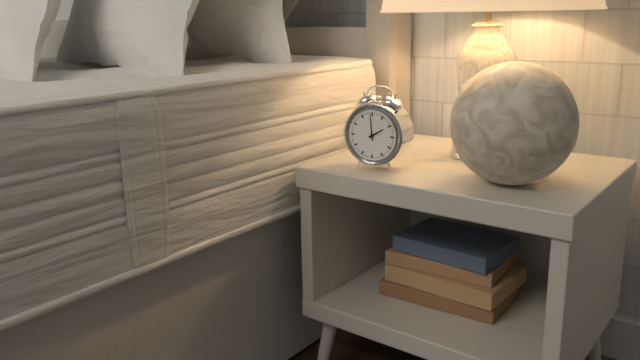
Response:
h=1 m=59
